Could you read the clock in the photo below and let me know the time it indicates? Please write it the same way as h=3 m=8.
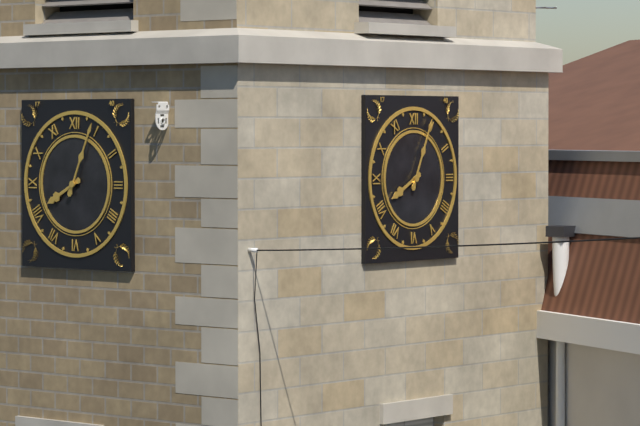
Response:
h=8 m=4
